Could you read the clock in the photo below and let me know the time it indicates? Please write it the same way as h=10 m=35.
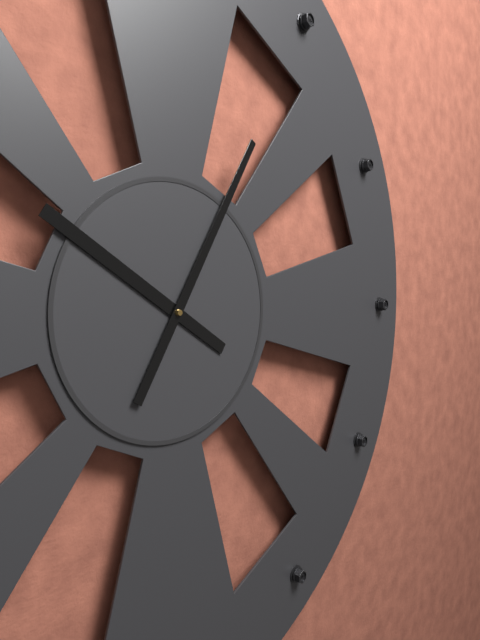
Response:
h=10 m=5
